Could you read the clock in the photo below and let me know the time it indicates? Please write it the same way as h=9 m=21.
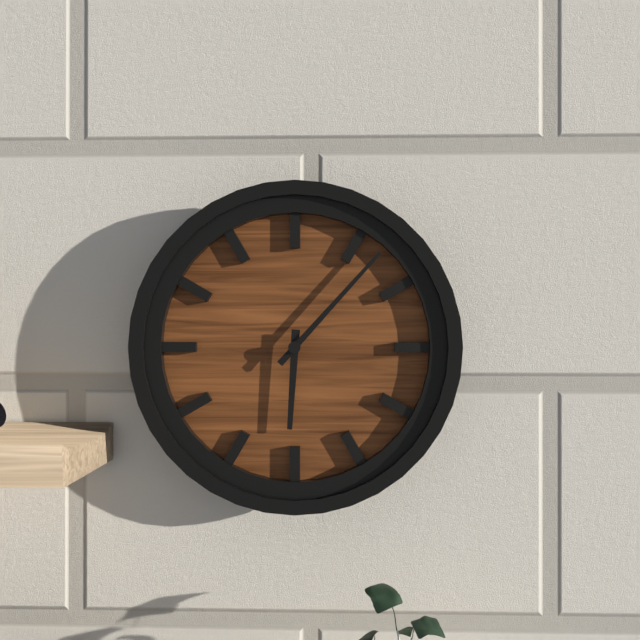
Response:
h=6 m=7
